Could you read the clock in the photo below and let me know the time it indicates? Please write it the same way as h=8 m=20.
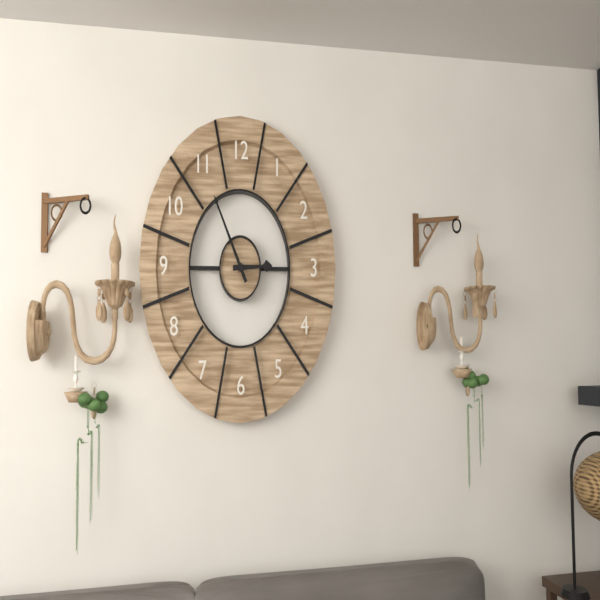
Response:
h=2 m=55
